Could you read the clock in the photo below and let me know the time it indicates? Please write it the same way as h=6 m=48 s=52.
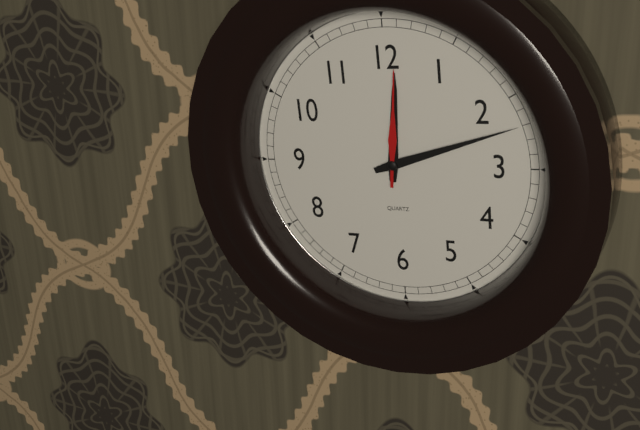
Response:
h=12 m=12 s=1
